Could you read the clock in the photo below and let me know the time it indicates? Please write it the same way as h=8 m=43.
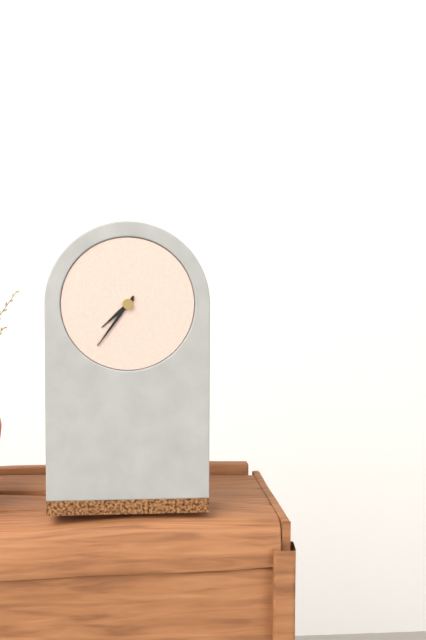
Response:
h=7 m=36
